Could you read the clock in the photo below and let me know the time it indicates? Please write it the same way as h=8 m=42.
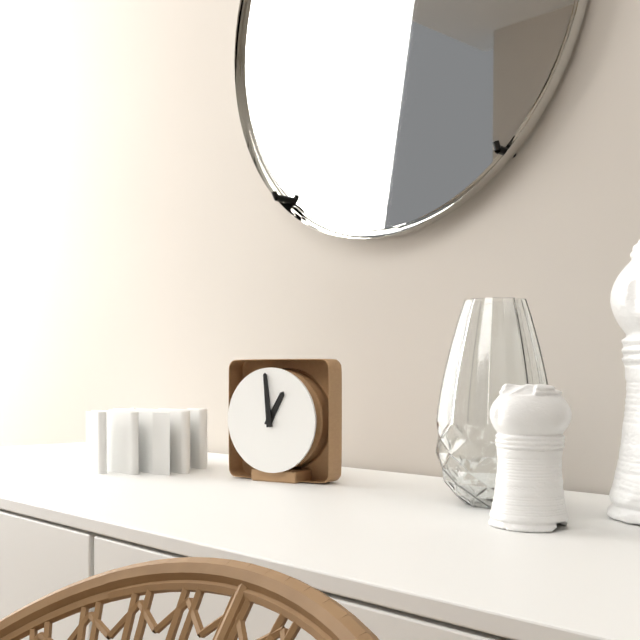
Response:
h=12 m=59
